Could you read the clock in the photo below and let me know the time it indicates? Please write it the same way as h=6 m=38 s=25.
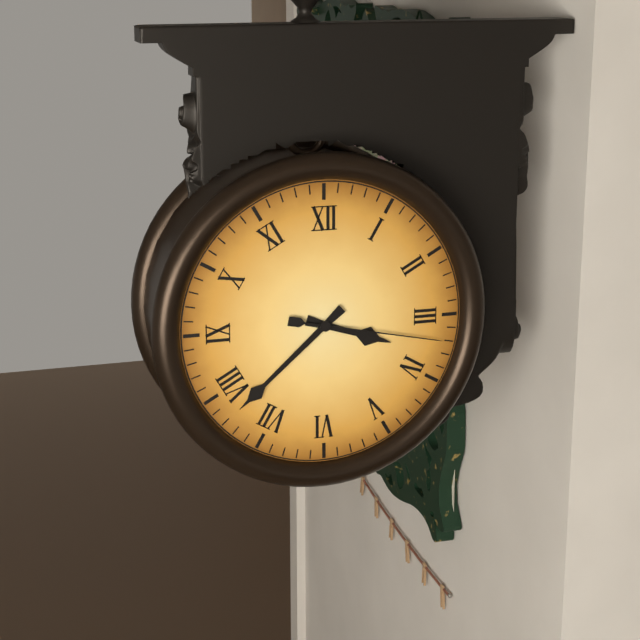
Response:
h=3 m=38 s=17
